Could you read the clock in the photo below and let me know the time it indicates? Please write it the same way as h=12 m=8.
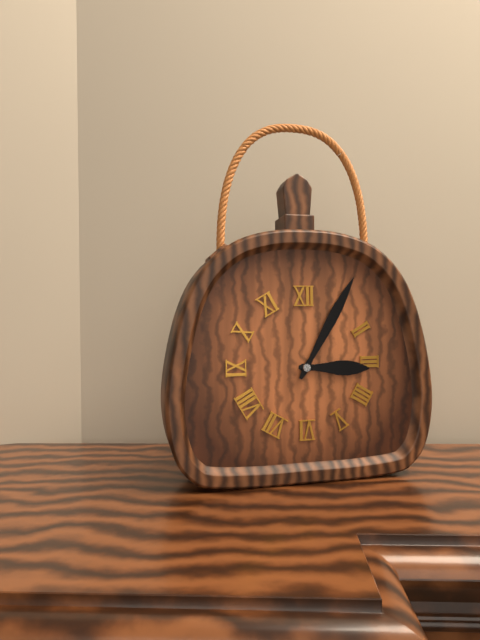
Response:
h=3 m=5
